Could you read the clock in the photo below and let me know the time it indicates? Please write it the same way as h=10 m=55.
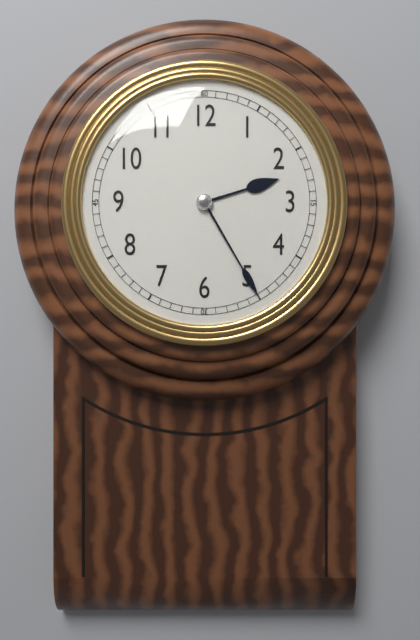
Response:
h=2 m=25
